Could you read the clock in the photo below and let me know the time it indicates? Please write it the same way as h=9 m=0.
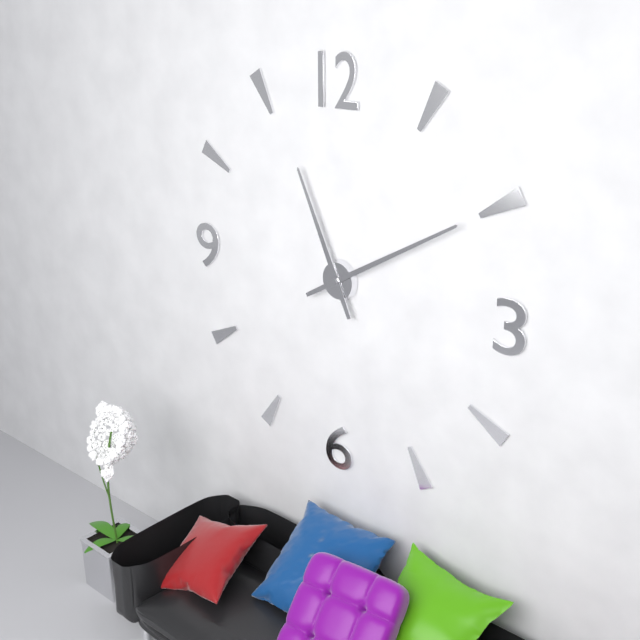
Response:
h=11 m=10
